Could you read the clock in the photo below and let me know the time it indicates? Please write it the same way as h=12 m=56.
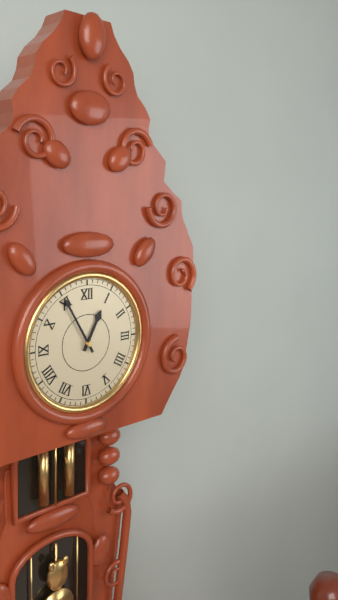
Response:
h=12 m=55
